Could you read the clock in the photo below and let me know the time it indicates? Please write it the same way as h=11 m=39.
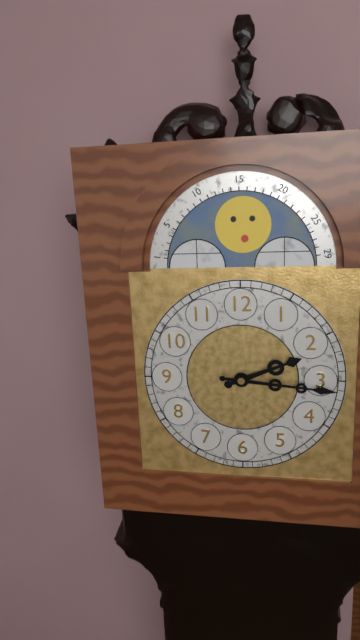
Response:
h=2 m=16
